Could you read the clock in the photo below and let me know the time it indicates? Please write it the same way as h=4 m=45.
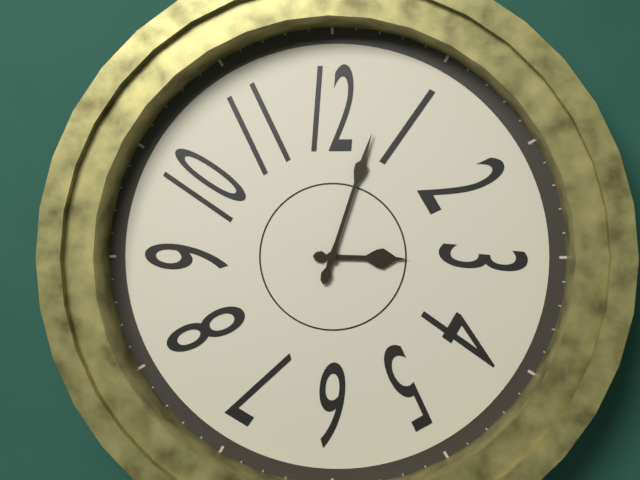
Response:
h=3 m=3
